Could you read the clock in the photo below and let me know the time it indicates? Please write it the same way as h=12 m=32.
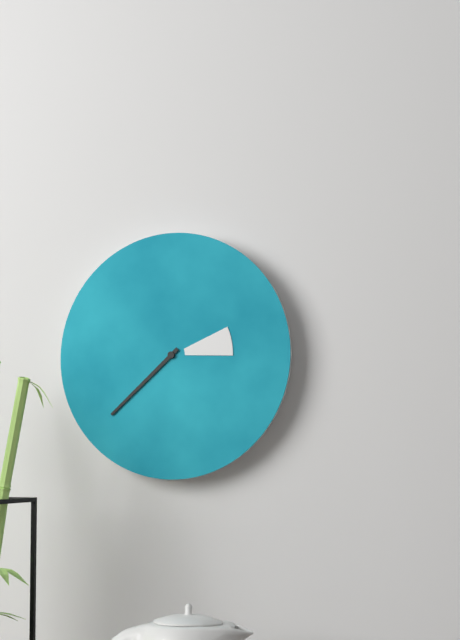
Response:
h=2 m=38
